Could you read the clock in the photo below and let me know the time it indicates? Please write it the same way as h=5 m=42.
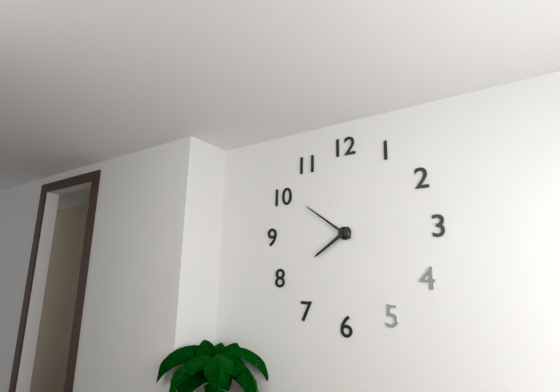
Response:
h=7 m=51
